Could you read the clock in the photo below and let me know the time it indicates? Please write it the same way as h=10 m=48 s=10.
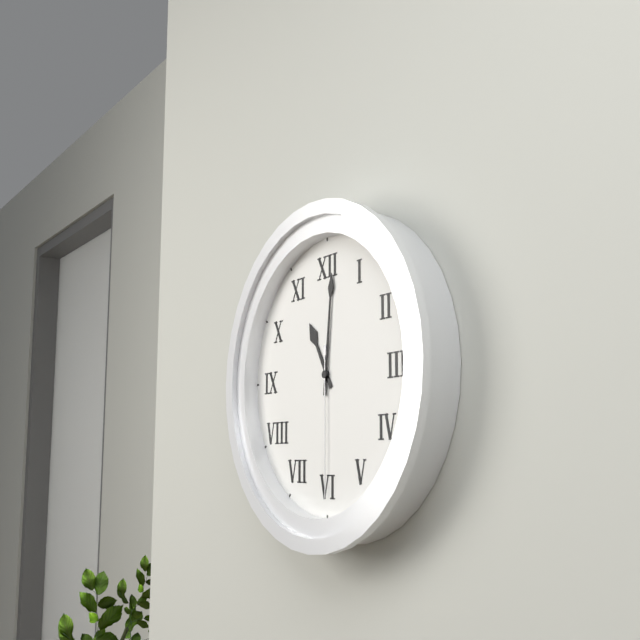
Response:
h=11 m=1 s=30
